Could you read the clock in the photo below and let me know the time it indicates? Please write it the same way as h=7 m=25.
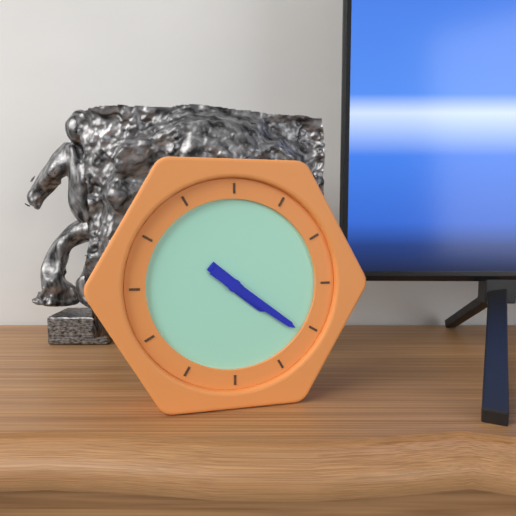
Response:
h=4 m=21
